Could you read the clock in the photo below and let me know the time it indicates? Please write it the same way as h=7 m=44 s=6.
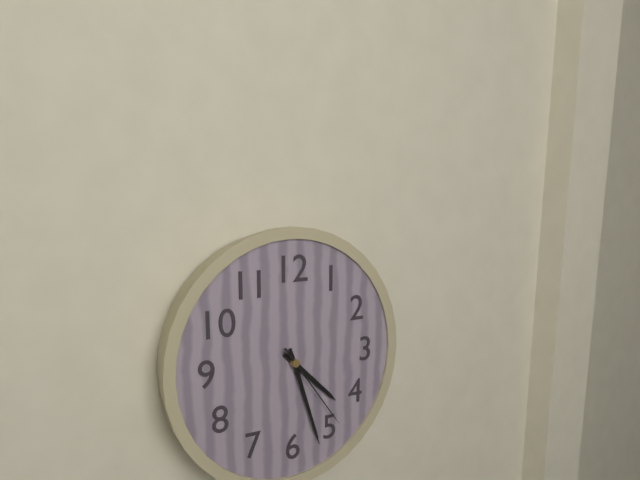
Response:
h=4 m=27 s=24
